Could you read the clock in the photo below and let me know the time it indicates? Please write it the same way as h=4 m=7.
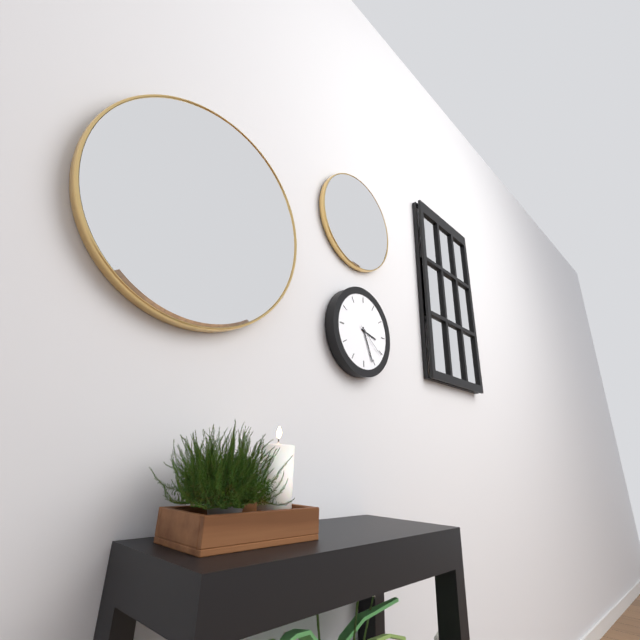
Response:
h=3 m=26
